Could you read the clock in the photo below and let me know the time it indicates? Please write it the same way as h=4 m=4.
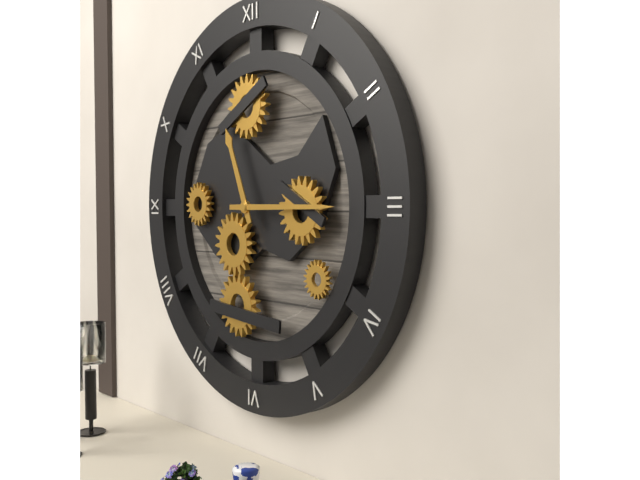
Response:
h=11 m=15
